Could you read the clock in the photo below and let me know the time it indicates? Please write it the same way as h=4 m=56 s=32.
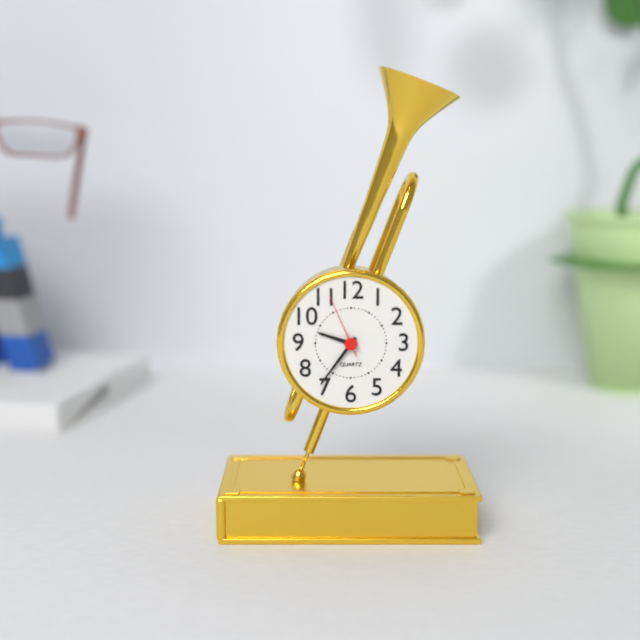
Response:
h=9 m=36 s=56
